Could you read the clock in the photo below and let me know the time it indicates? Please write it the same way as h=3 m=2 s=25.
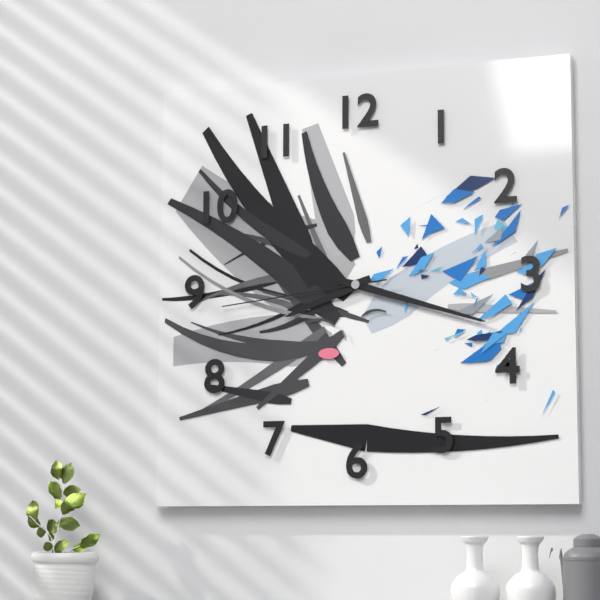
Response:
h=8 m=18 s=44
